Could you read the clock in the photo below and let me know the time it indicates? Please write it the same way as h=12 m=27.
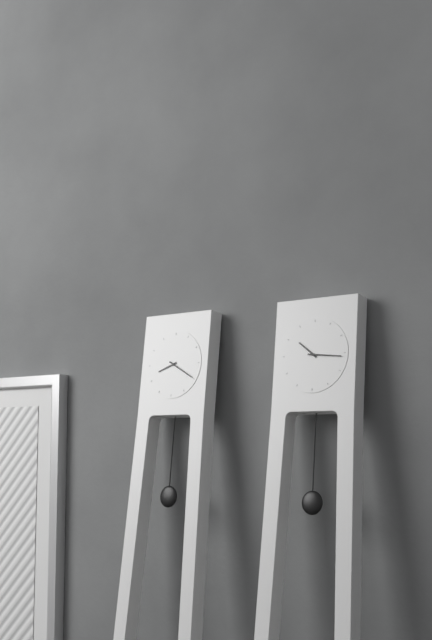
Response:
h=8 m=20
